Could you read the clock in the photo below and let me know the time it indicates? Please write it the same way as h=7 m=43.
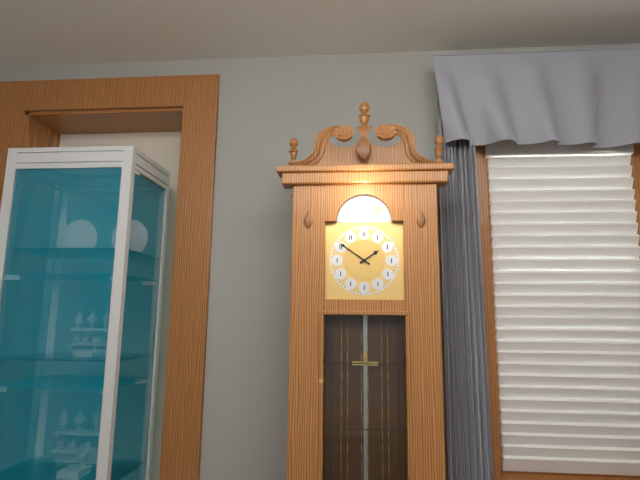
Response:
h=1 m=51
